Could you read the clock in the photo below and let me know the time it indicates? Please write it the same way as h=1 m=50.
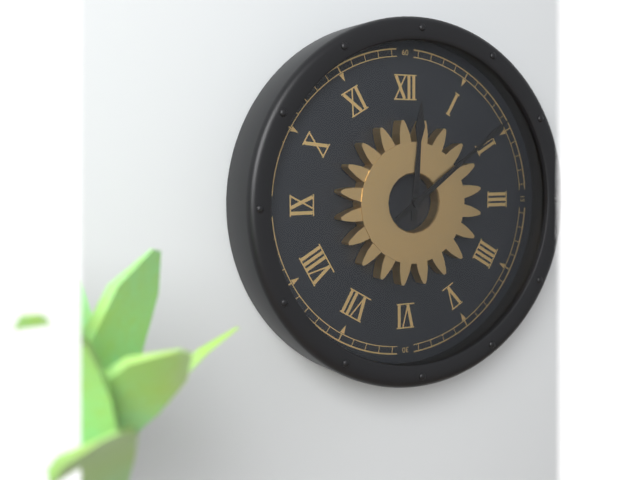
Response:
h=12 m=9
